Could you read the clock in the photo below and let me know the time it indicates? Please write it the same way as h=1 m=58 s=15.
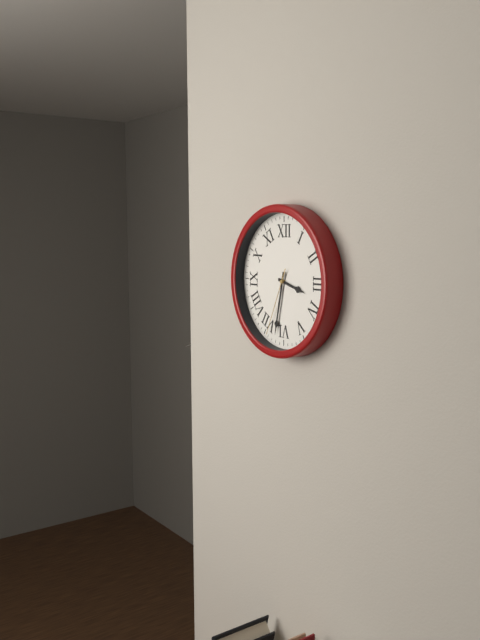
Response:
h=3 m=32 s=34
